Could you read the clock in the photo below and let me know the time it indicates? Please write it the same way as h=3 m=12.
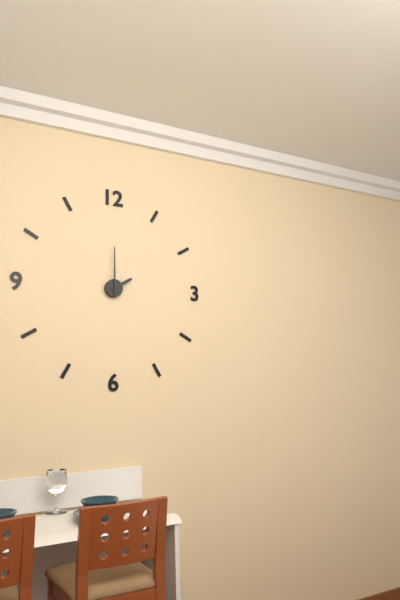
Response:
h=2 m=0
